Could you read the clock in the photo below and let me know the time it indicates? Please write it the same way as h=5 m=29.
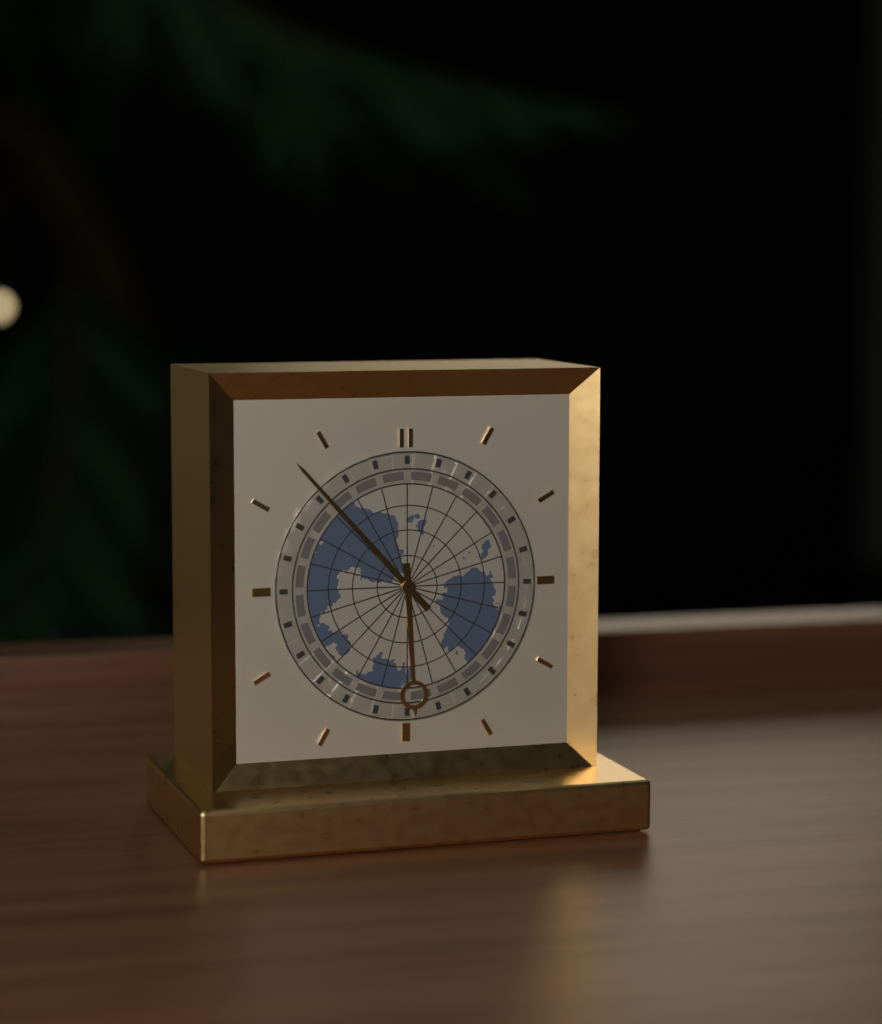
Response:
h=5 m=53
